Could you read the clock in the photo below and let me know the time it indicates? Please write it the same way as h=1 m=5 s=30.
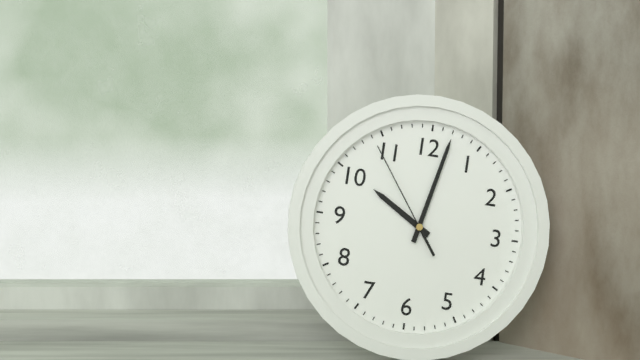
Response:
h=10 m=2 s=54
